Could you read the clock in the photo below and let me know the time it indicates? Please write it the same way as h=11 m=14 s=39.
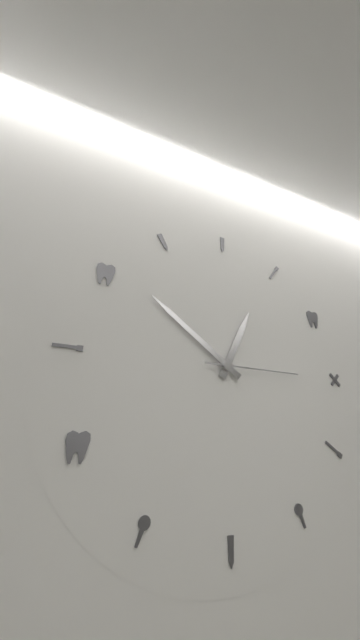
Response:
h=12 m=51 s=15
